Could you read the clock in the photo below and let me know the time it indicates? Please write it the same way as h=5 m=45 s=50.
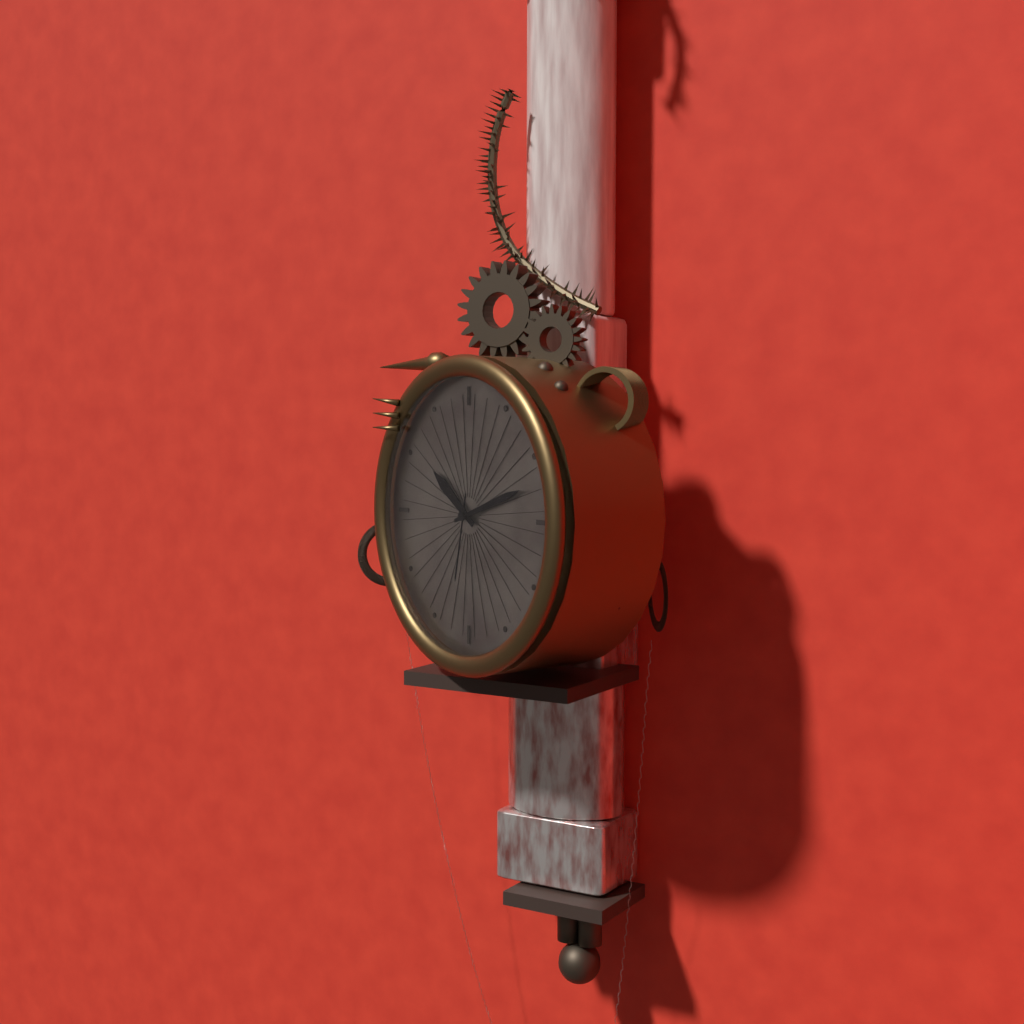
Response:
h=10 m=12 s=32
